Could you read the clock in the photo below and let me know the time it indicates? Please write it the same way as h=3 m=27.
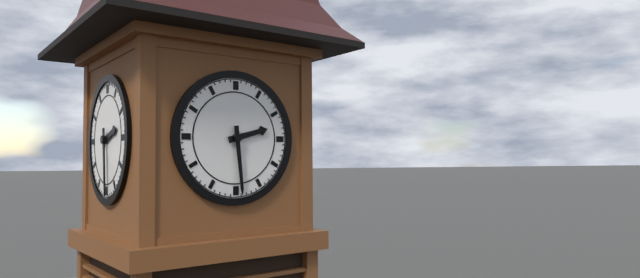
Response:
h=2 m=29
